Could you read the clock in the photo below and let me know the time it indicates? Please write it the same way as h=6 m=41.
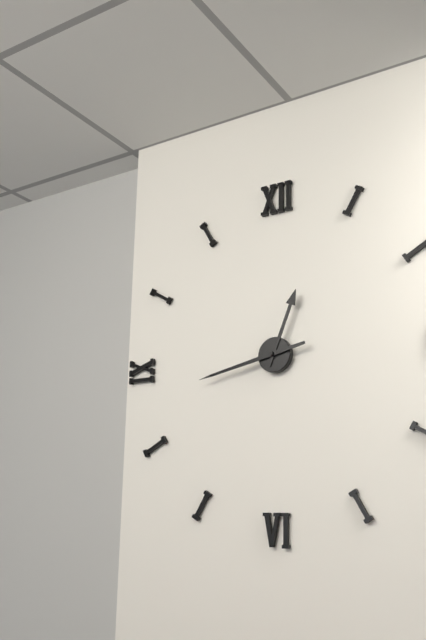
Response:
h=12 m=43
